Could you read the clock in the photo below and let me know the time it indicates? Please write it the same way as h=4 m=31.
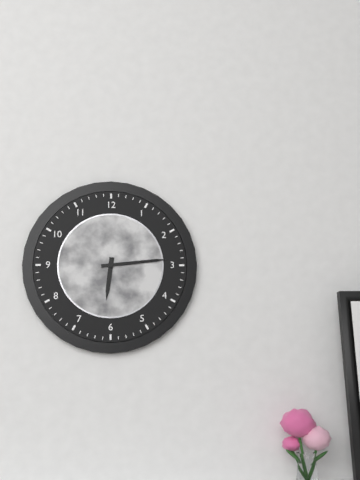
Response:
h=6 m=14
